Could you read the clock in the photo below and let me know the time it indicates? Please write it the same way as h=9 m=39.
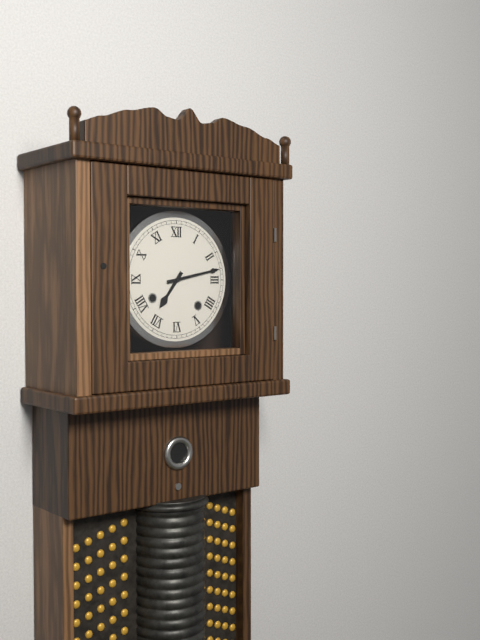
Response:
h=7 m=13
